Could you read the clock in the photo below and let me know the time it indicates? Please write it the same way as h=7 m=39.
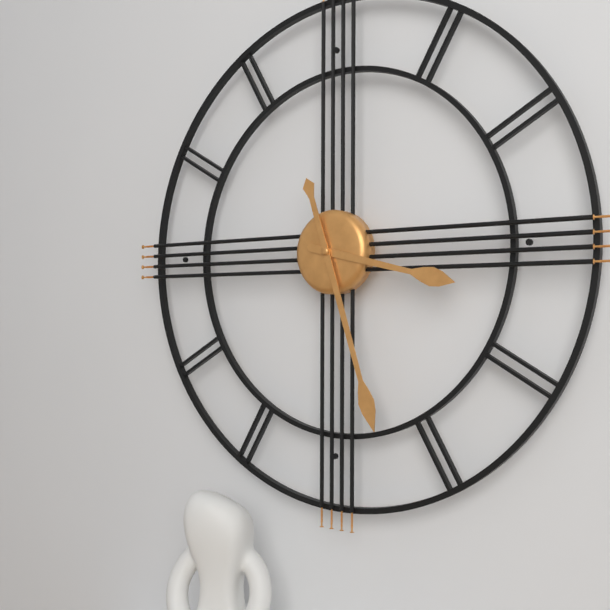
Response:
h=3 m=27
